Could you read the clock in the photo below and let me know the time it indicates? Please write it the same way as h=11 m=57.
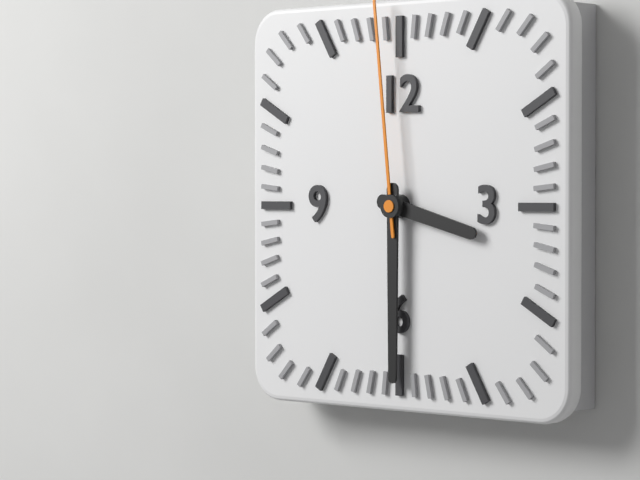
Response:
h=3 m=30
